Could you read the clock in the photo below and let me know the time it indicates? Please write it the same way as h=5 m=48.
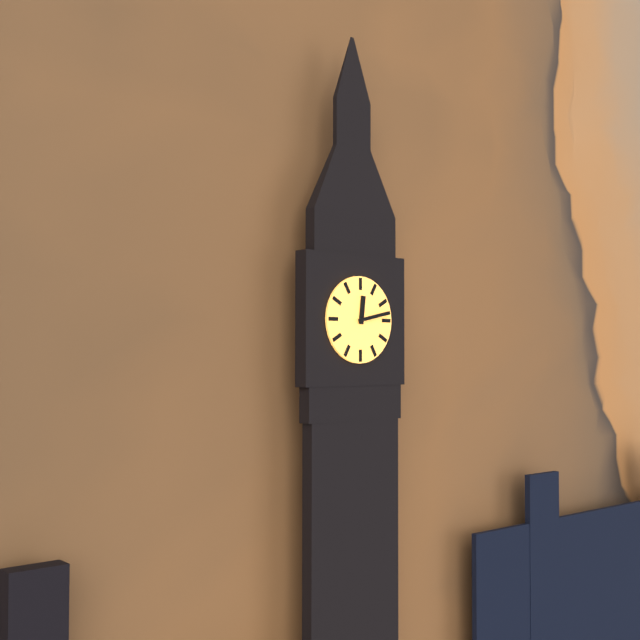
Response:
h=12 m=13
